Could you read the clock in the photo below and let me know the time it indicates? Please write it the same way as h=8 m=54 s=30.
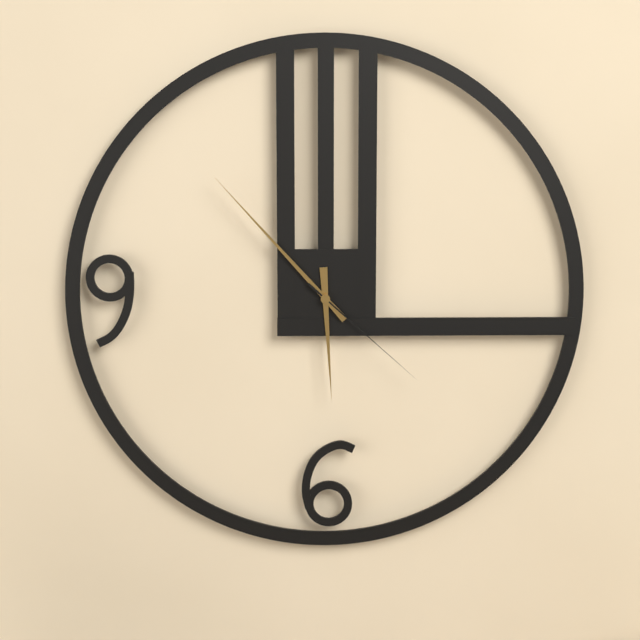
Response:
h=5 m=53 s=22
